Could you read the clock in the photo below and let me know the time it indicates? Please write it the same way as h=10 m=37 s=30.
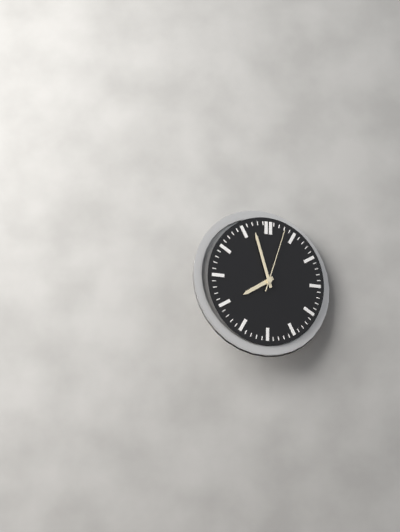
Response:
h=7 m=57 s=3
